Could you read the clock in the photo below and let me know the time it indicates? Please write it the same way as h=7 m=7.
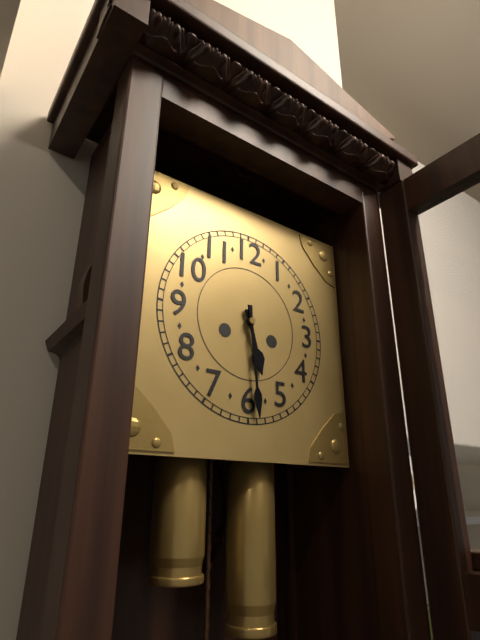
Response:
h=5 m=29
